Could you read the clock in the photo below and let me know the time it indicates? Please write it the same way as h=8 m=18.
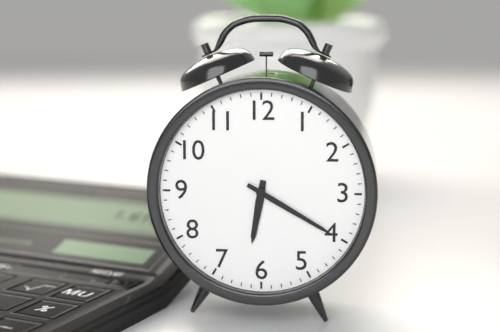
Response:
h=6 m=20
